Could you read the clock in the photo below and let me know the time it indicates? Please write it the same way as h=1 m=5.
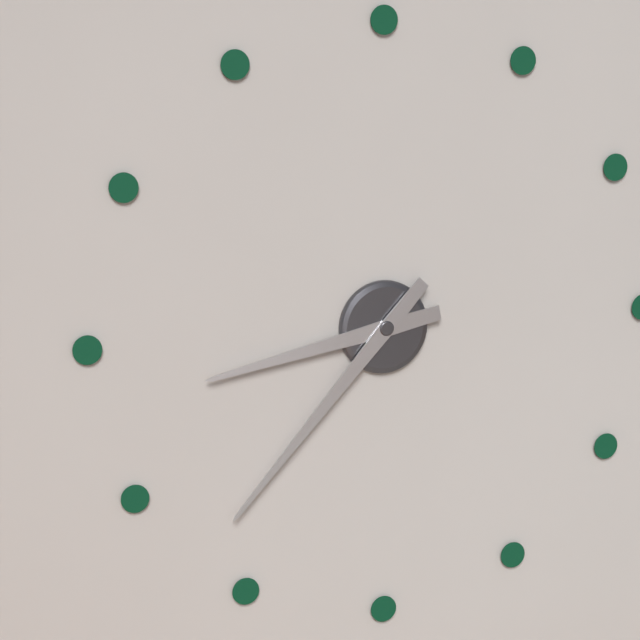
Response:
h=8 m=37
